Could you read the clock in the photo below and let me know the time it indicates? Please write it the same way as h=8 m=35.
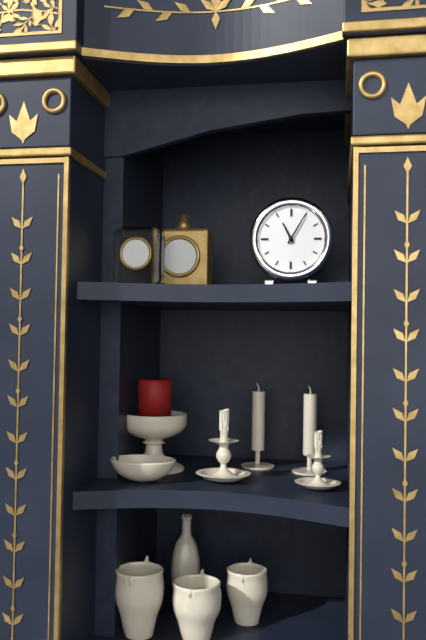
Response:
h=11 m=5
